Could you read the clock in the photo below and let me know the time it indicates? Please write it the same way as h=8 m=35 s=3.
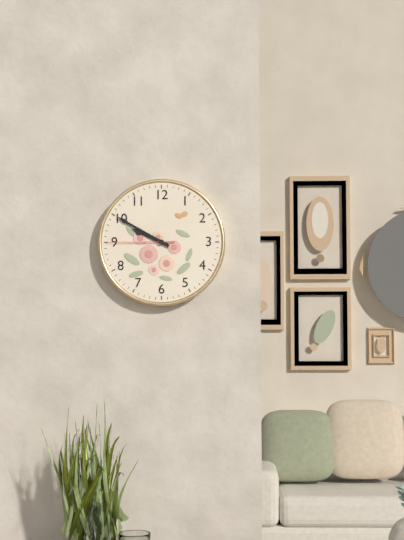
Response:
h=9 m=50 s=45
